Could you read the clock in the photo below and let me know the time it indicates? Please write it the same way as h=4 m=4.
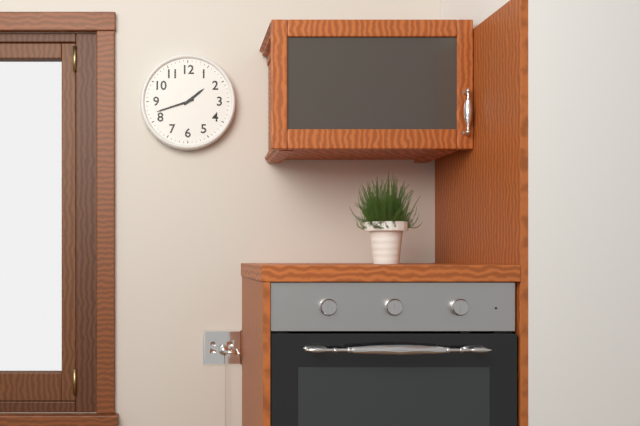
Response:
h=1 m=42
